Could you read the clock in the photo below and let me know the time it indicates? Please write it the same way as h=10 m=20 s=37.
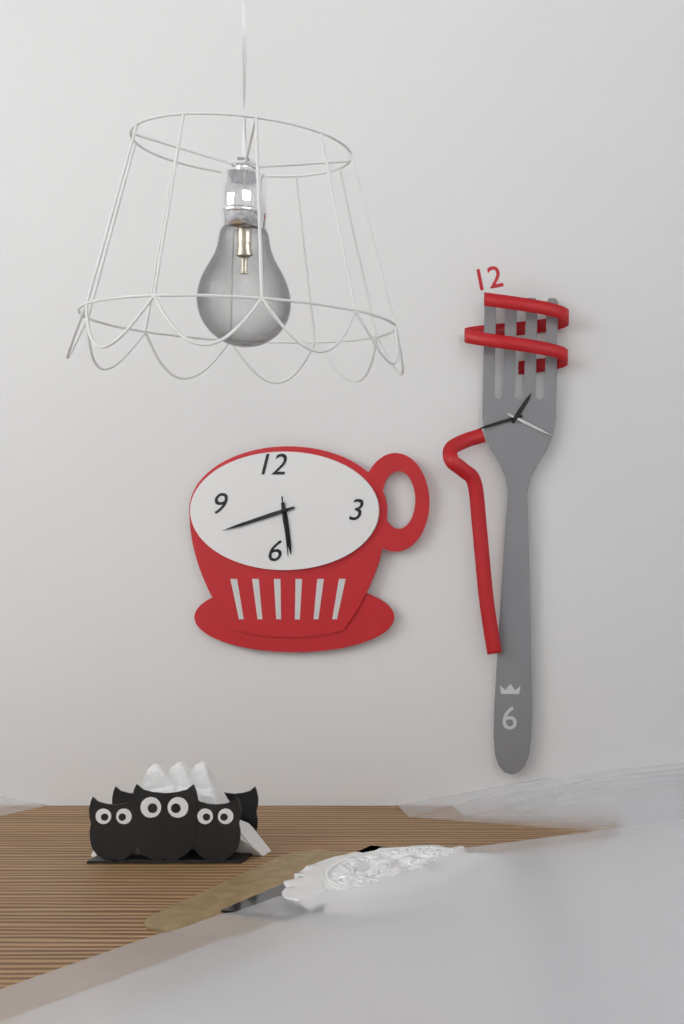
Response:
h=5 m=42 s=29
